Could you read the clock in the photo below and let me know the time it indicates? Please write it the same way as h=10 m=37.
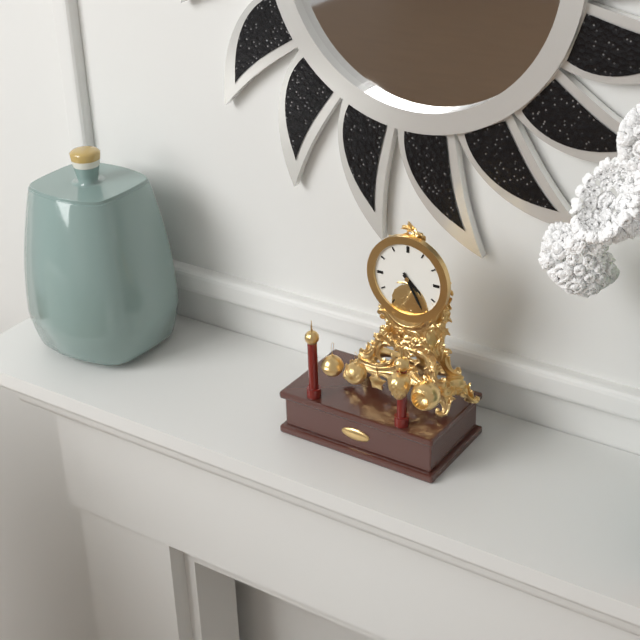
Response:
h=4 m=25
